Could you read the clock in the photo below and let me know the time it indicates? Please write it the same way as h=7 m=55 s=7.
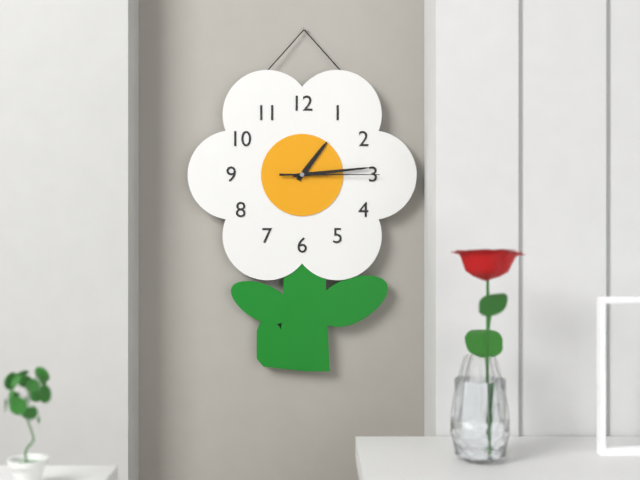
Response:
h=1 m=14 s=15
